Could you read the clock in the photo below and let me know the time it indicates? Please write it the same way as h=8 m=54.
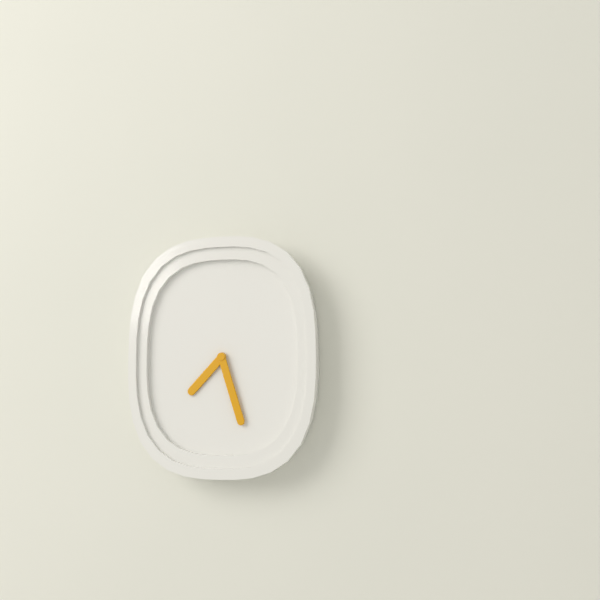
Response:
h=7 m=27
